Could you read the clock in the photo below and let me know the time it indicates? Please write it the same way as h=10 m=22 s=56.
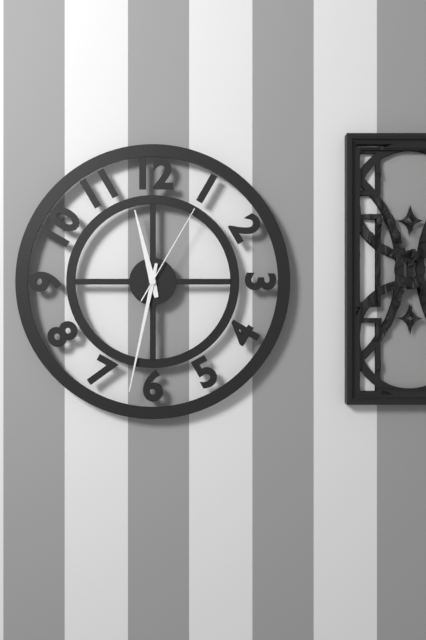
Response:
h=11 m=32 s=5
